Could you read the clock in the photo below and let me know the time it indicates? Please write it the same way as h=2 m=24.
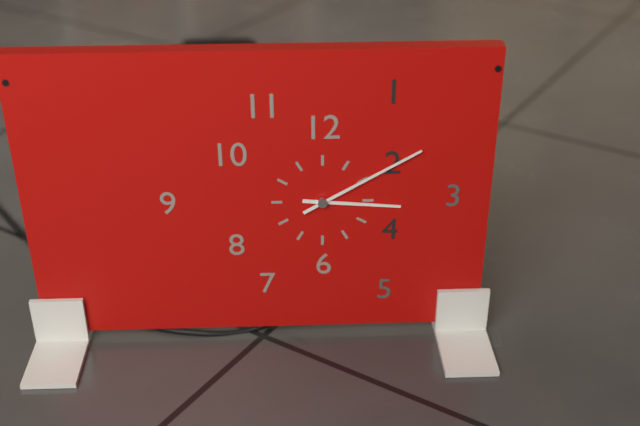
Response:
h=3 m=10
